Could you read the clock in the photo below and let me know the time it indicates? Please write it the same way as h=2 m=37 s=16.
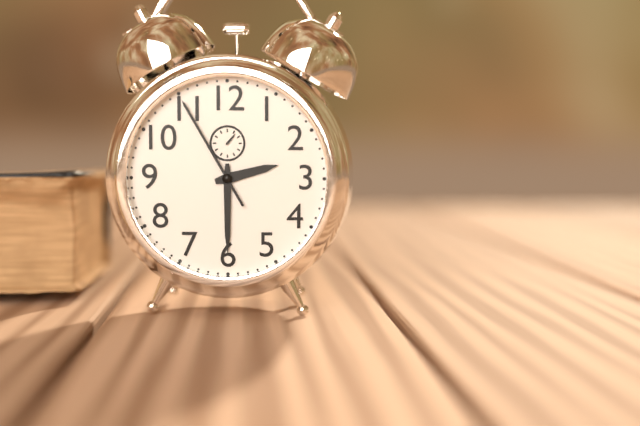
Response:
h=2 m=30 s=55
